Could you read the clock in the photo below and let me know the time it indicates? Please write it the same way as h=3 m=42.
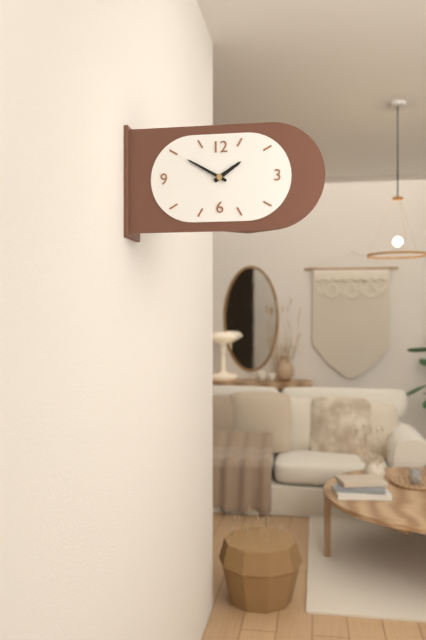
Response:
h=1 m=50
